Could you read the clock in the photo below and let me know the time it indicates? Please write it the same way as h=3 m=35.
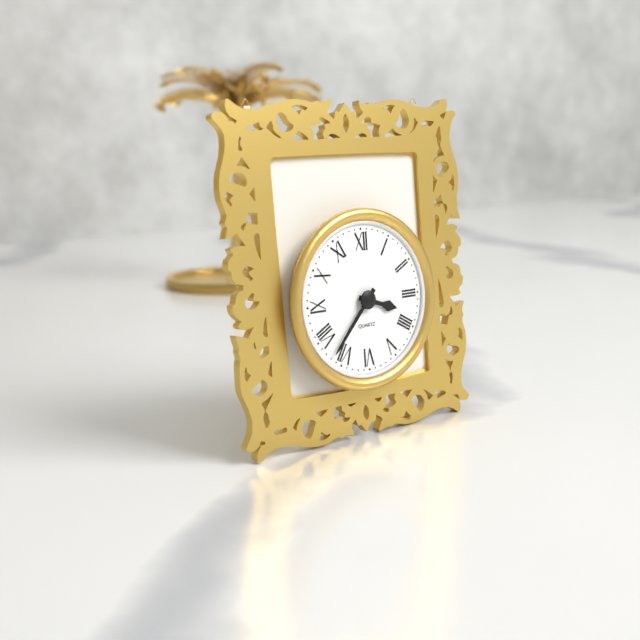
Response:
h=3 m=37
